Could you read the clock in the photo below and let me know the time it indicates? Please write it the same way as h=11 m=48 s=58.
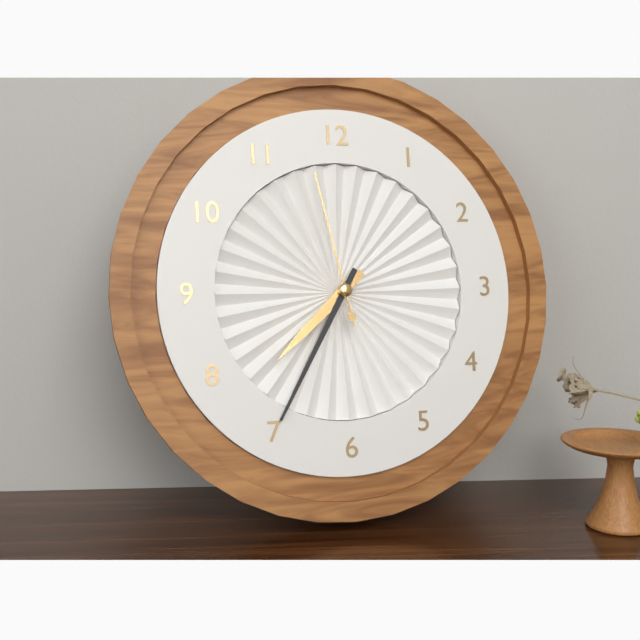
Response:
h=7 m=35 s=58
